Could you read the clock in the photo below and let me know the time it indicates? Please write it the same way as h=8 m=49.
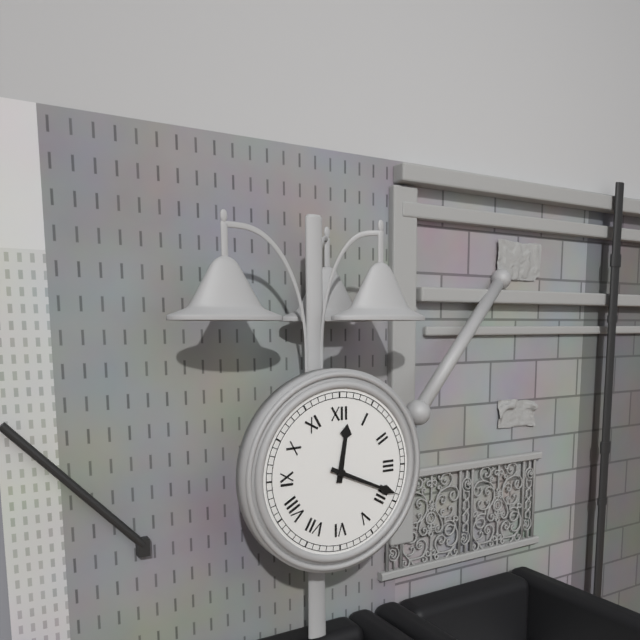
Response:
h=12 m=19
